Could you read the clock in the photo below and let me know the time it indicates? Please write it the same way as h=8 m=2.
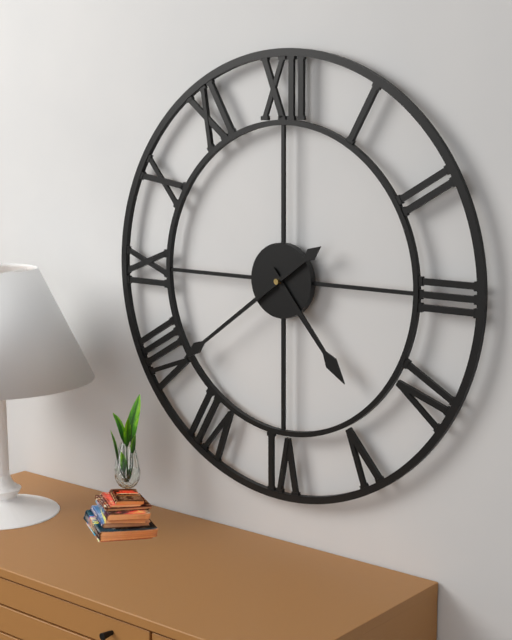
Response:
h=4 m=39
